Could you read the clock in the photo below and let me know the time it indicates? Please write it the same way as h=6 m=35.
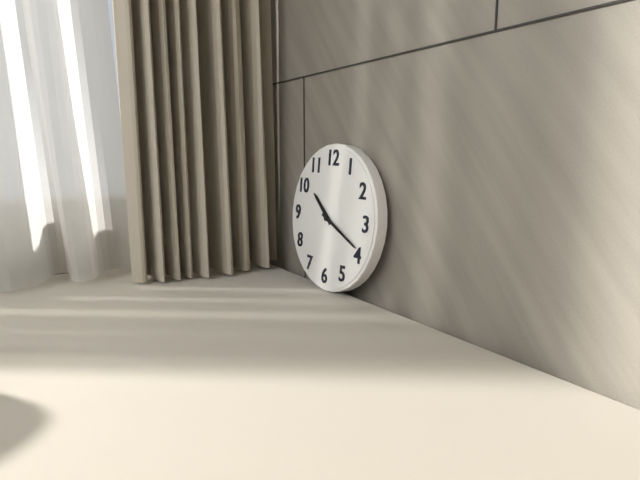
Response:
h=10 m=19
